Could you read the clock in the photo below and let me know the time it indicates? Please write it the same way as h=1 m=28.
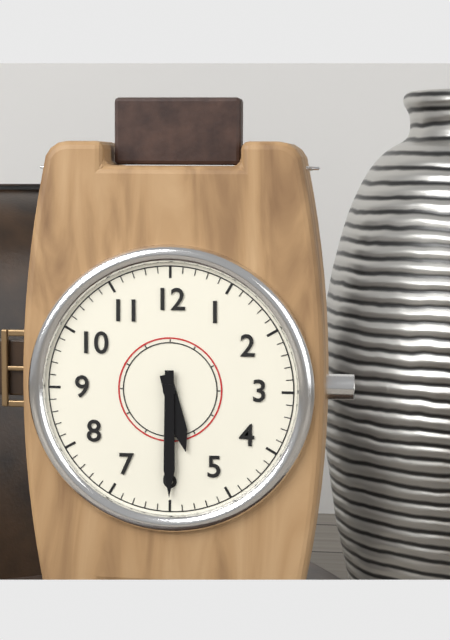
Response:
h=5 m=30
